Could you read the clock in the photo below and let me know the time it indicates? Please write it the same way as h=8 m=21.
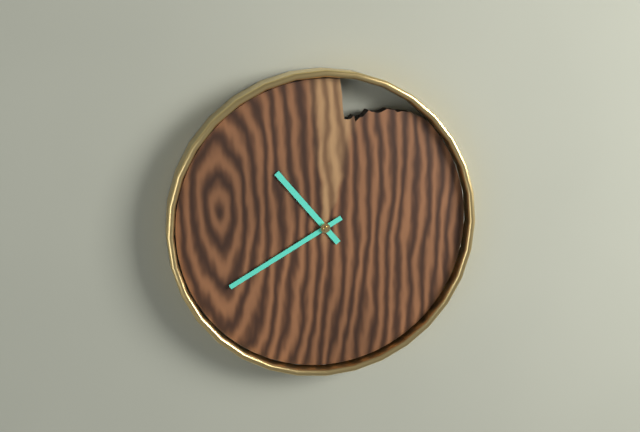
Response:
h=10 m=40
